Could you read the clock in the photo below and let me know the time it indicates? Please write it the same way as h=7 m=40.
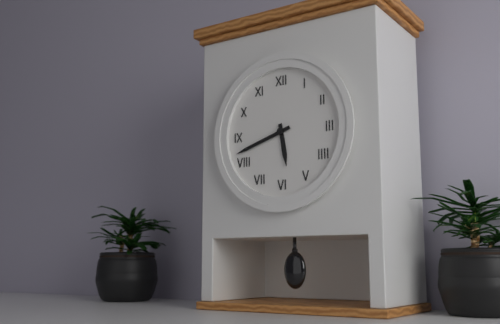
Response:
h=5 m=42
